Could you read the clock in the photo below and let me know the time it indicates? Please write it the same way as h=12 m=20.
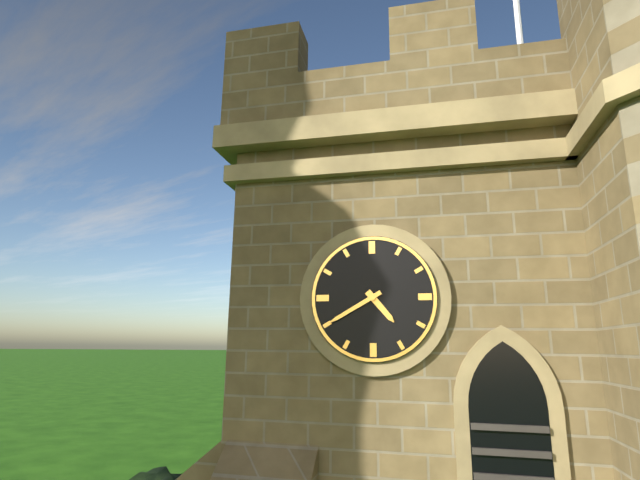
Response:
h=4 m=40
